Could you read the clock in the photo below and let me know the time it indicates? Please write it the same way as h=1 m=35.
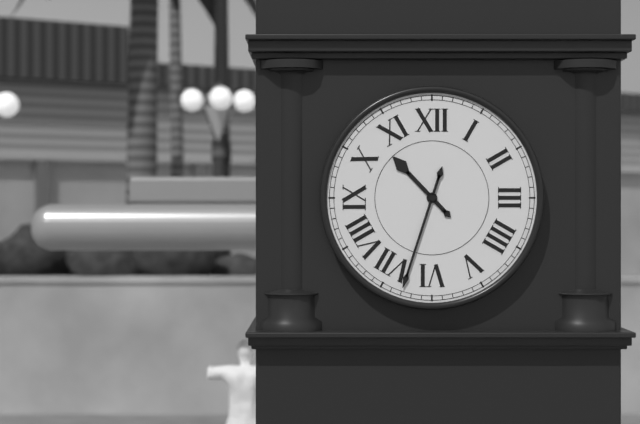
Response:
h=10 m=33
